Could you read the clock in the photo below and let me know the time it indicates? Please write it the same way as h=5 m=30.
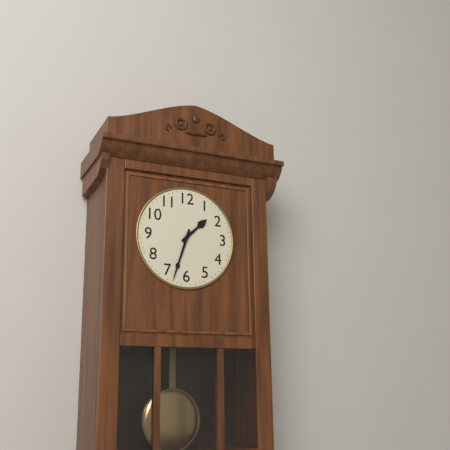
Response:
h=1 m=33
